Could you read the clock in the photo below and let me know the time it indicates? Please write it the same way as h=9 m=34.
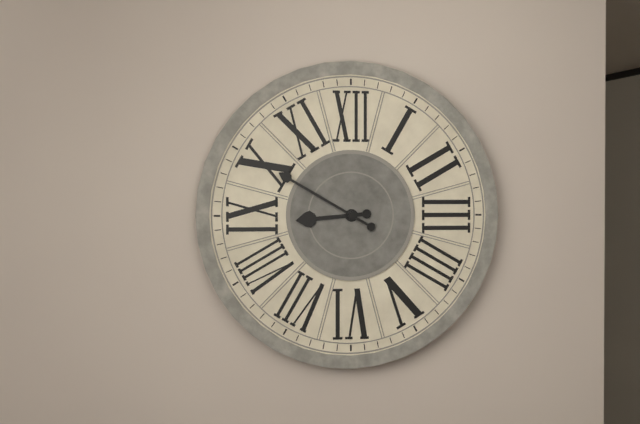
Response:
h=8 m=50
